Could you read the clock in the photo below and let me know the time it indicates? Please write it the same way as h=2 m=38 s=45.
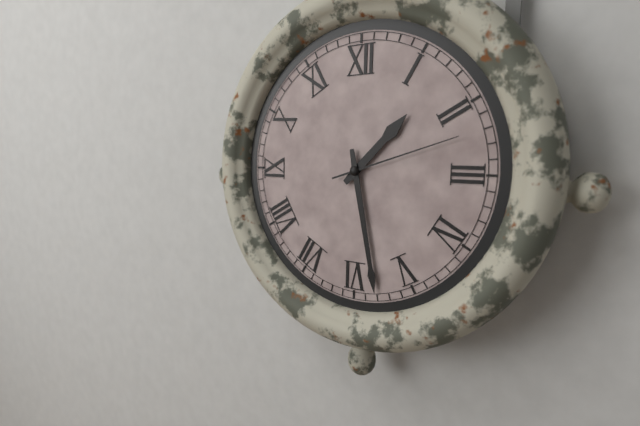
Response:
h=1 m=28 s=12
